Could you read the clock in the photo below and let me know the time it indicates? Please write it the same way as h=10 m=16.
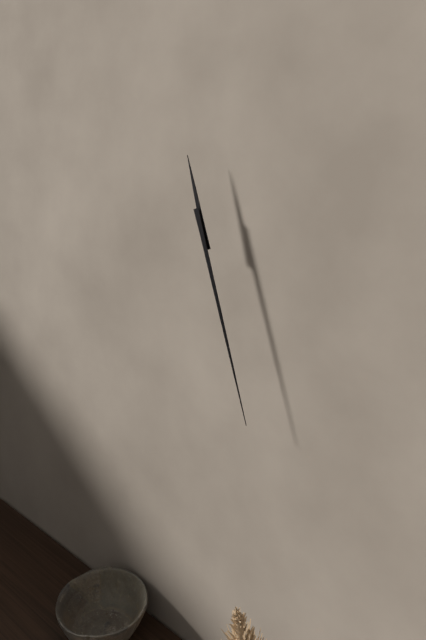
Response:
h=11 m=27
